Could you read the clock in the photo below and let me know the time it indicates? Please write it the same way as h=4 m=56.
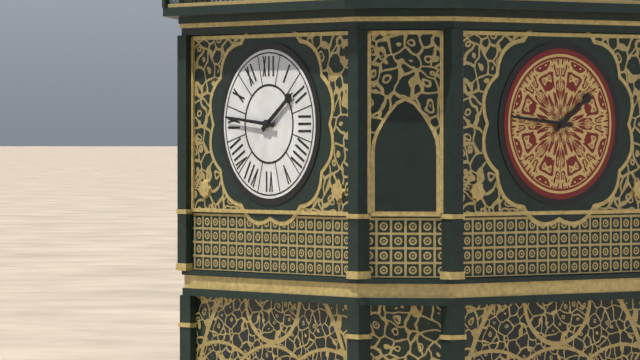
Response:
h=1 m=46
